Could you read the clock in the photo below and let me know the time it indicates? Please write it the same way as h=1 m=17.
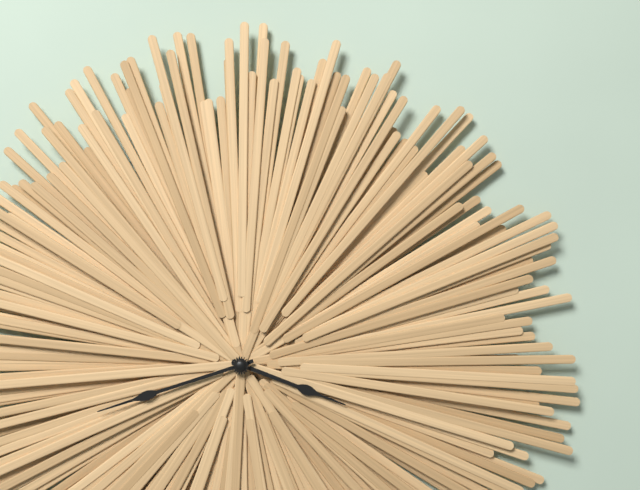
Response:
h=3 m=42
